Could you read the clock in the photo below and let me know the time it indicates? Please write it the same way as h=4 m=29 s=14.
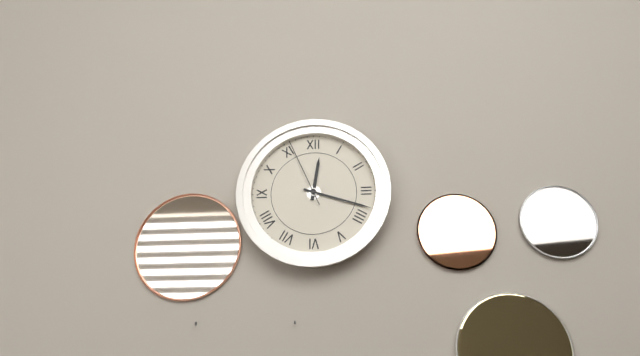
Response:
h=12 m=18 s=56
